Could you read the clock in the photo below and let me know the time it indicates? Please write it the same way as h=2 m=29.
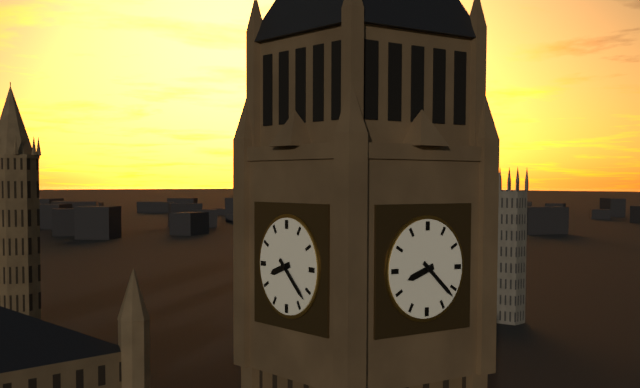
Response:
h=8 m=22
